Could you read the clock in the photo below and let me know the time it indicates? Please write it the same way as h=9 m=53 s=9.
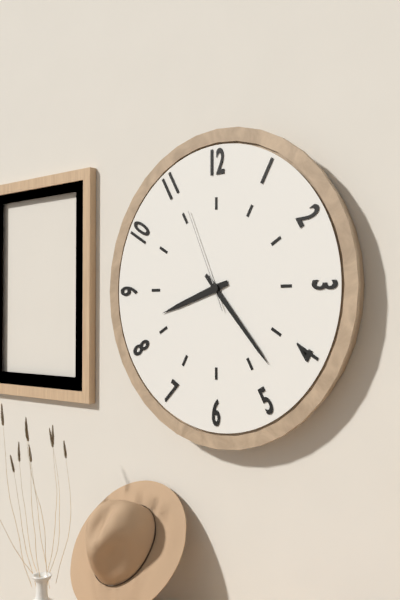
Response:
h=8 m=23 s=56
